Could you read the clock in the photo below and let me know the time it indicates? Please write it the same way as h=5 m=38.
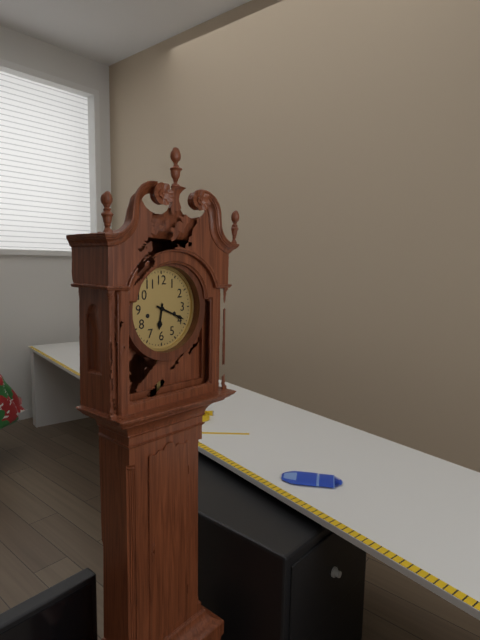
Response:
h=6 m=19
